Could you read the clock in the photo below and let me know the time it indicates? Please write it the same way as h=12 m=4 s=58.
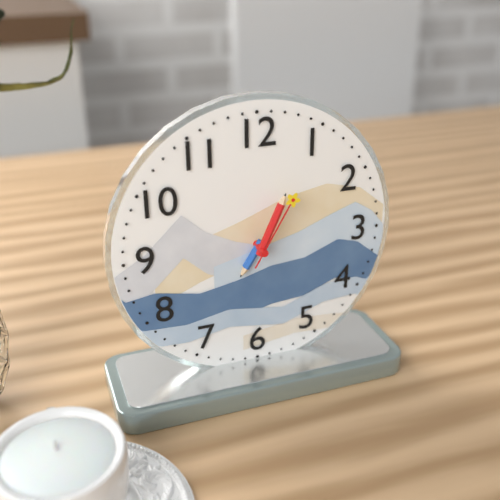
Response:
h=7 m=4 s=5
